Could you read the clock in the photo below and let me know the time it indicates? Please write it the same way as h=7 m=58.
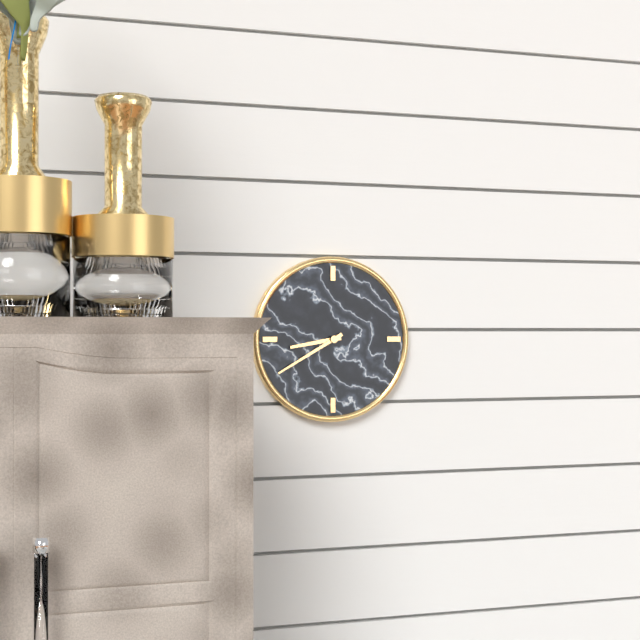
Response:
h=8 m=40
